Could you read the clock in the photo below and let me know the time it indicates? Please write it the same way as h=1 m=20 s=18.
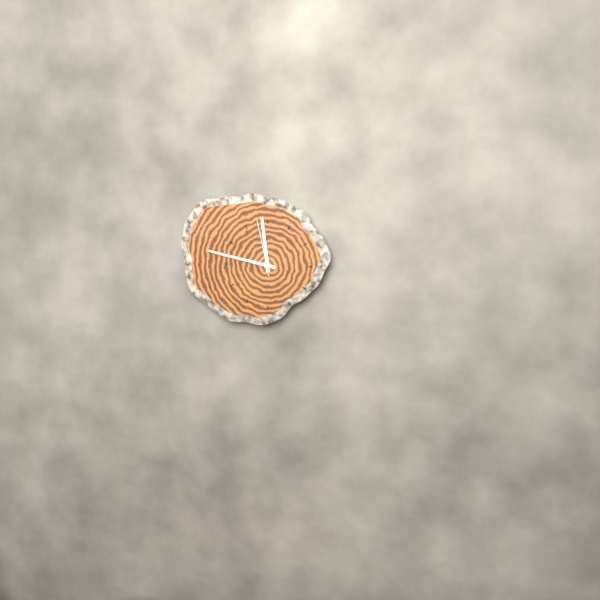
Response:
h=11 m=47 s=58
